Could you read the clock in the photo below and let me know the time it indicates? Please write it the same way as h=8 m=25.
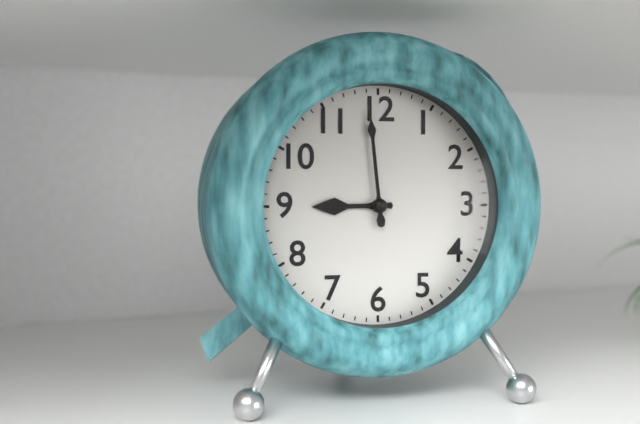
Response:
h=8 m=59
